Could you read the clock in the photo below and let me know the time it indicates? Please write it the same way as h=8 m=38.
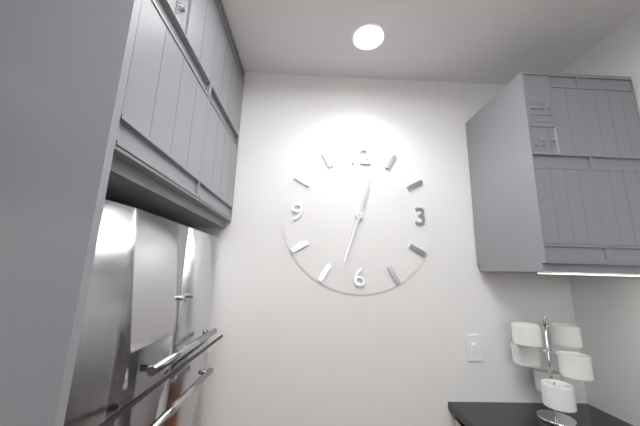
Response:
h=12 m=33
